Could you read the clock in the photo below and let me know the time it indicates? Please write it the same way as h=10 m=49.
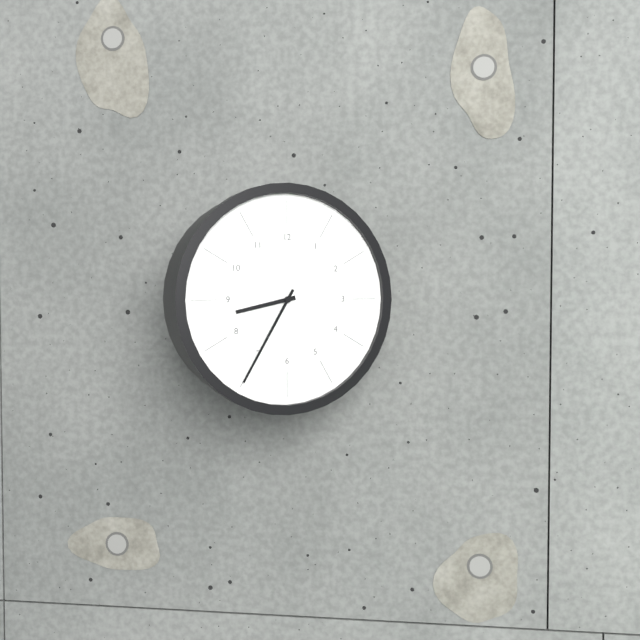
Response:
h=8 m=35
